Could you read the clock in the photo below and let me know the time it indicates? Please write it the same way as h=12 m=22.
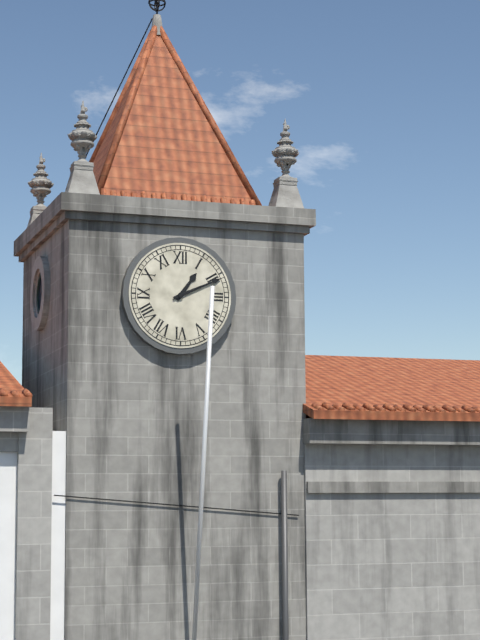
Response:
h=1 m=11
